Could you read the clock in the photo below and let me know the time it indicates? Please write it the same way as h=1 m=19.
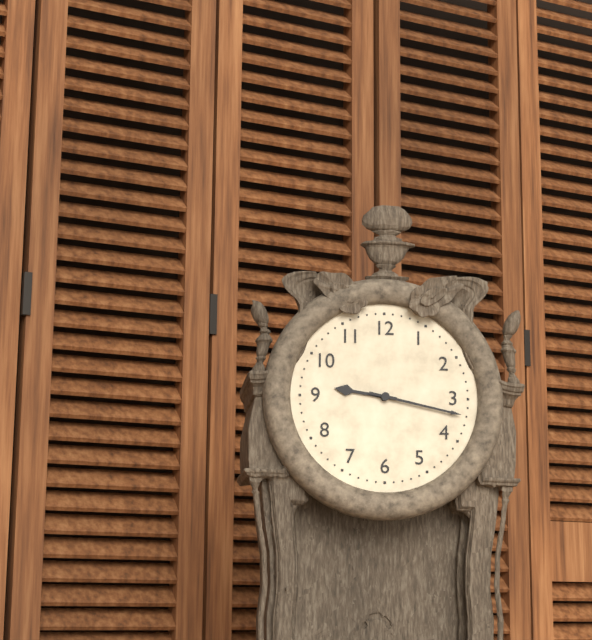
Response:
h=9 m=17
